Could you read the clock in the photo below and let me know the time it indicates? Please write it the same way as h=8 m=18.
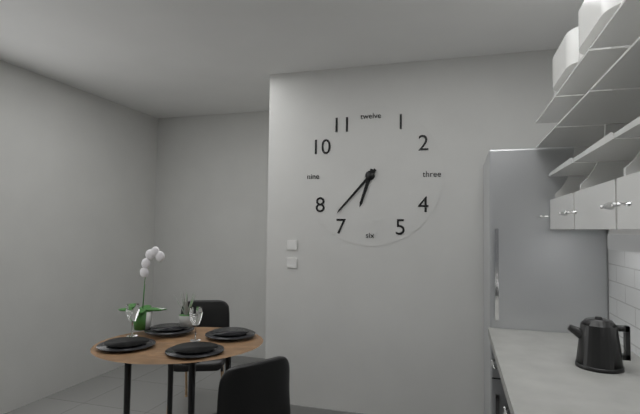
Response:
h=6 m=37
